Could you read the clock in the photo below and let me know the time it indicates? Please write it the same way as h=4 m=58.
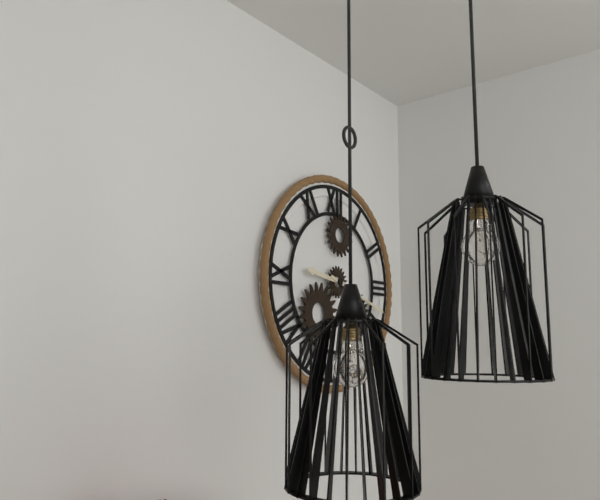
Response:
h=9 m=18
